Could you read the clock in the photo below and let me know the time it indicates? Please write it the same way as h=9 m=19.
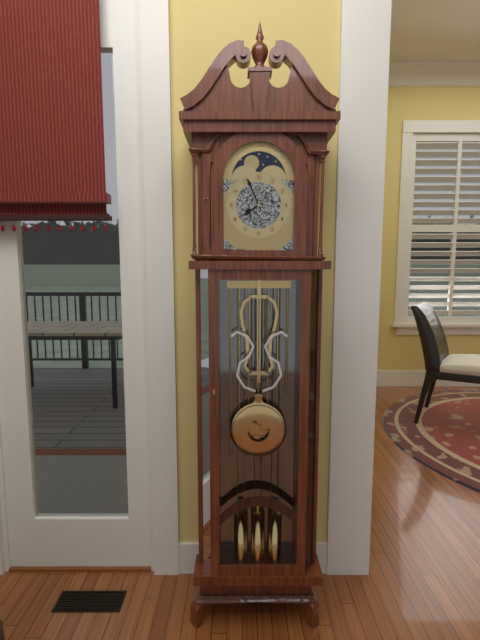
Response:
h=7 m=56
